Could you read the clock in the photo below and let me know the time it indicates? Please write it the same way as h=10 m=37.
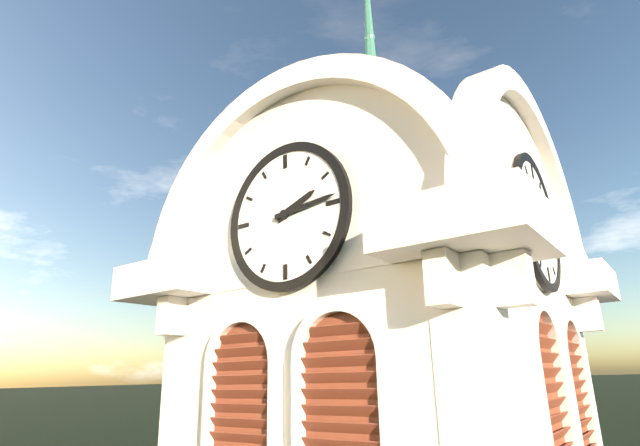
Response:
h=2 m=14
